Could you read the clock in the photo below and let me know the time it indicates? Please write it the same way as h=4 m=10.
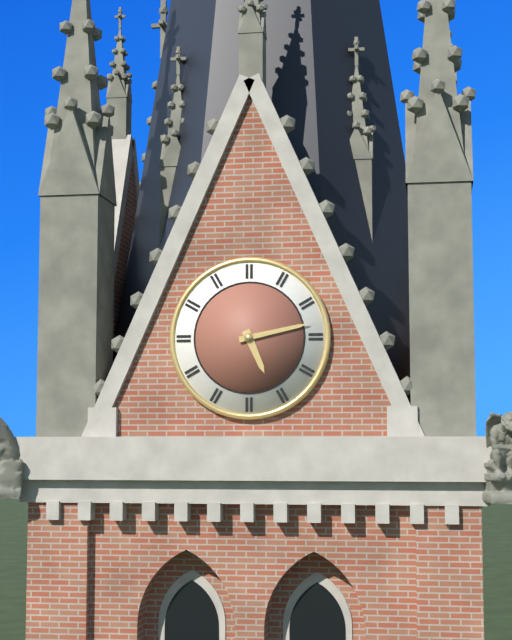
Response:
h=5 m=13
